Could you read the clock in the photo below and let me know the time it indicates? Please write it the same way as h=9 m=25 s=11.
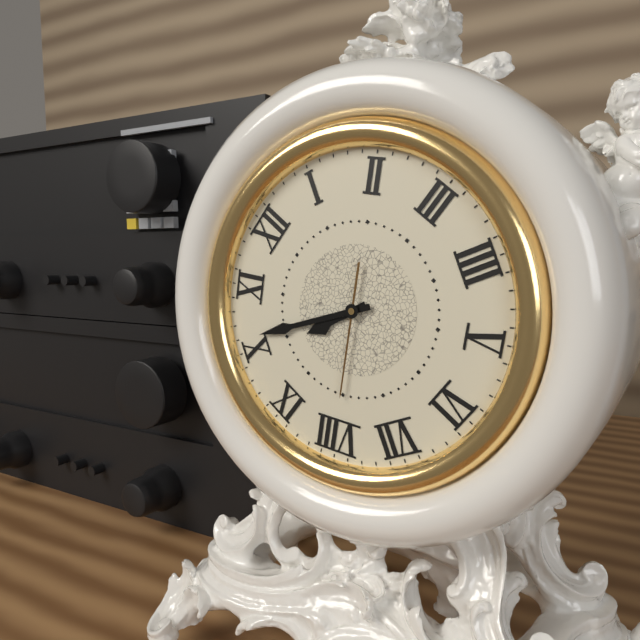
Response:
h=9 m=51 s=40
